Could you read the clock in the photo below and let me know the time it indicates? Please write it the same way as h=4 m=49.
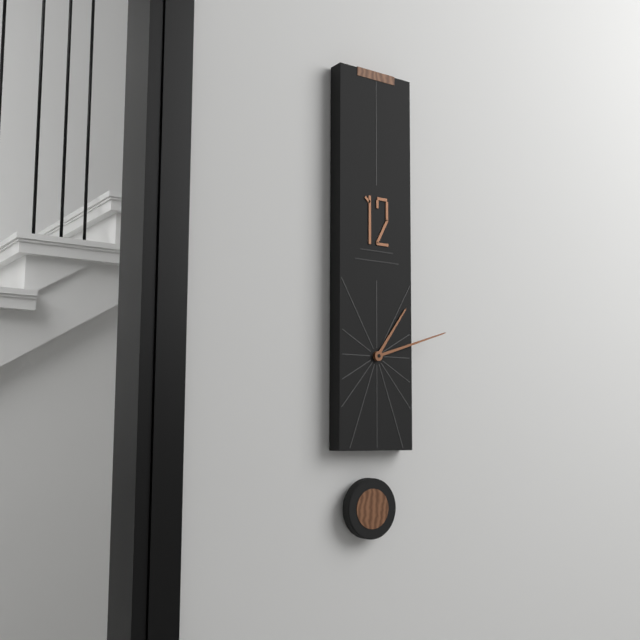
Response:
h=1 m=12
